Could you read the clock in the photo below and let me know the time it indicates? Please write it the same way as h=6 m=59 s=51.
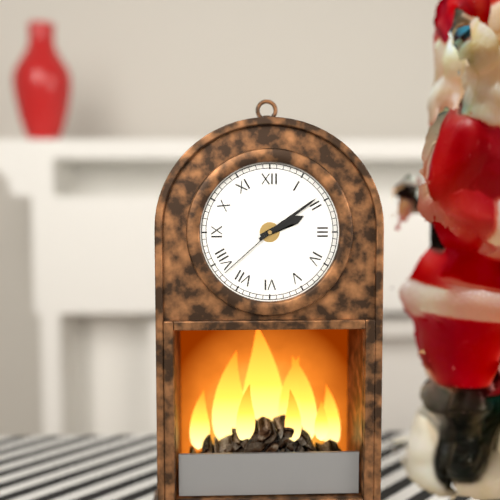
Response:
h=2 m=9 s=38
